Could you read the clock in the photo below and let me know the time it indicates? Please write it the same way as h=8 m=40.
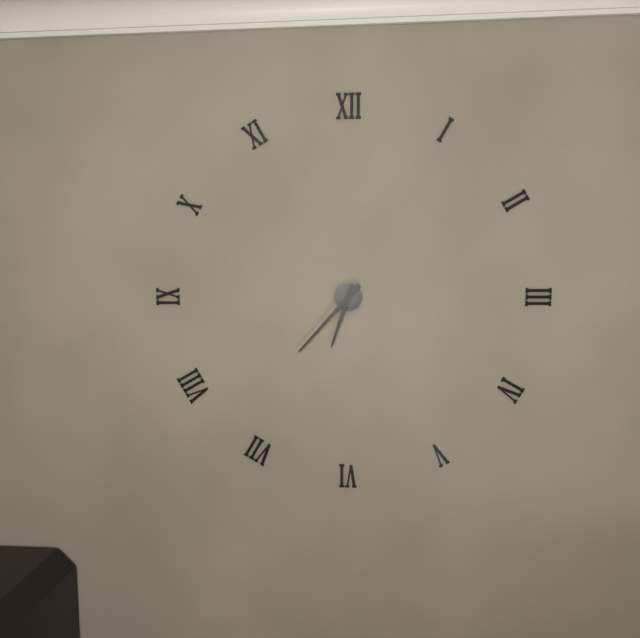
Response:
h=6 m=37
